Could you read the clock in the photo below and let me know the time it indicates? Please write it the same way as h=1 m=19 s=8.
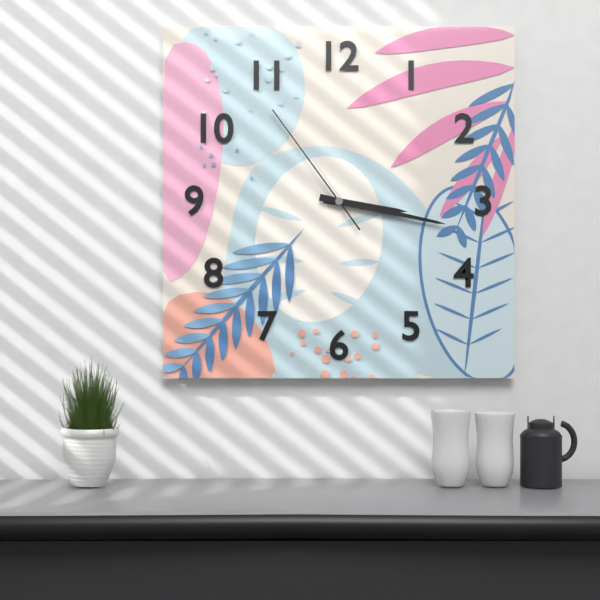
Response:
h=3 m=17 s=54
